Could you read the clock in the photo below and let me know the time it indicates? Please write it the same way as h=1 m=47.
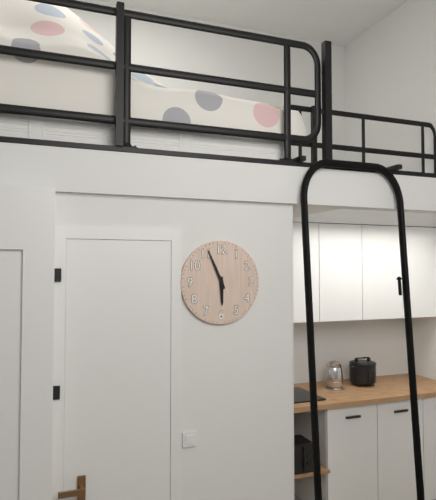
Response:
h=5 m=56
